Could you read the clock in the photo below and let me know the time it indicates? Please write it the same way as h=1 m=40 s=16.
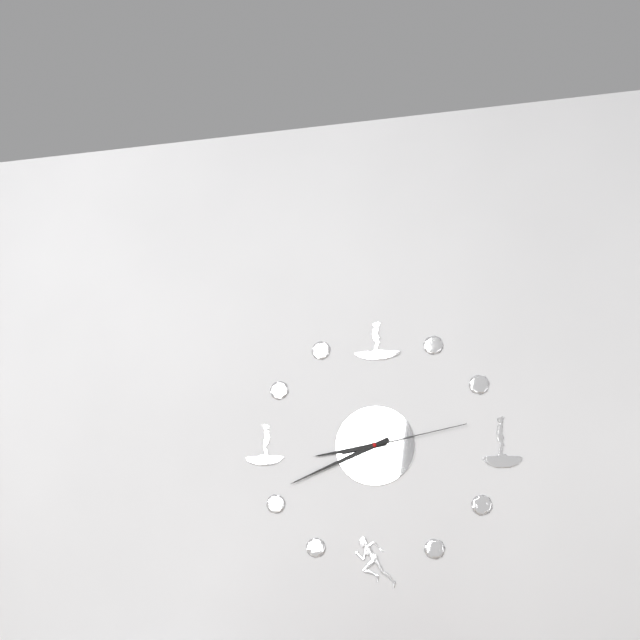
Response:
h=8 m=41 s=13
